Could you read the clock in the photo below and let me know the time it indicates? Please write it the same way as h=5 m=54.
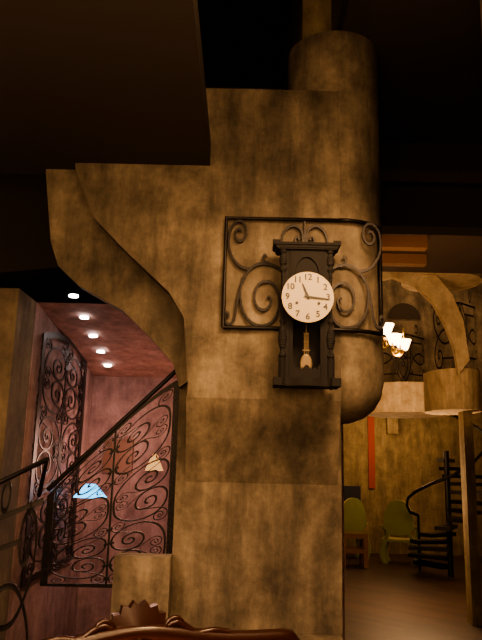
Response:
h=11 m=16
